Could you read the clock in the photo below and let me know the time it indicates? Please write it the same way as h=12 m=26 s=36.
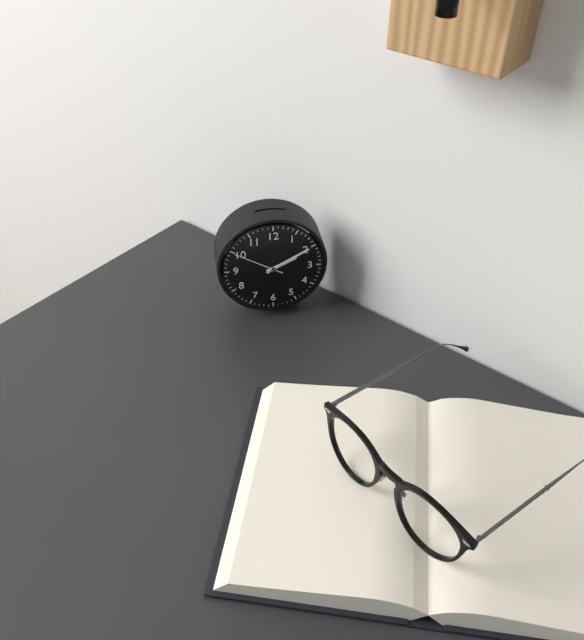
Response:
h=2 m=10 s=50
